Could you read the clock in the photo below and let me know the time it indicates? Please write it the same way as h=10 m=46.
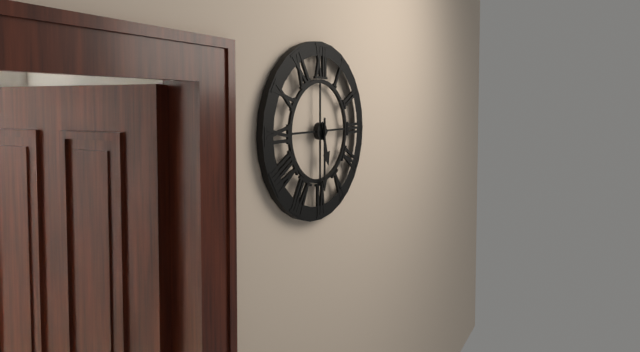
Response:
h=5 m=30
